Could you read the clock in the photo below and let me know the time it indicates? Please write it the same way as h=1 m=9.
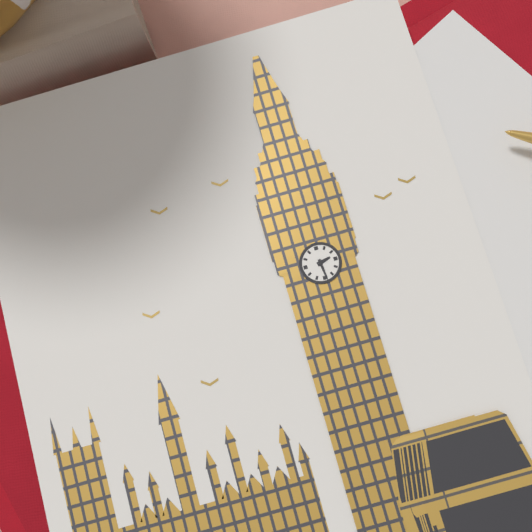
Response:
h=2 m=29
